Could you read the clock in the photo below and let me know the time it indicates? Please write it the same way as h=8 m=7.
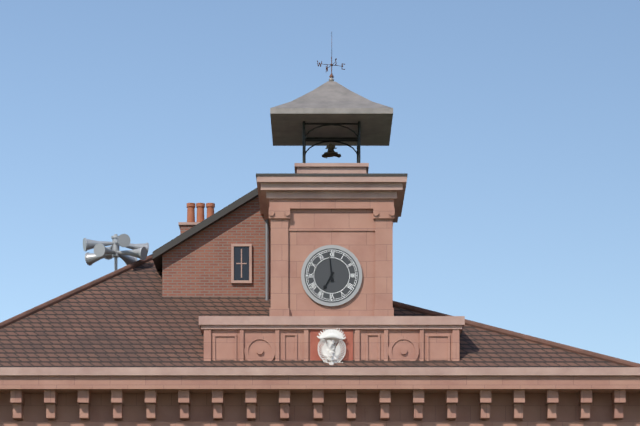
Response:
h=6 m=59
